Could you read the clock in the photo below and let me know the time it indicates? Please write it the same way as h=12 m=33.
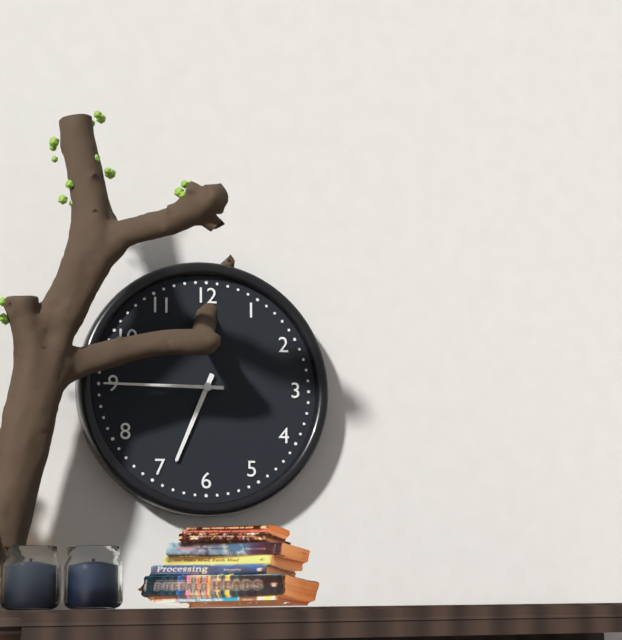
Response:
h=6 m=45
